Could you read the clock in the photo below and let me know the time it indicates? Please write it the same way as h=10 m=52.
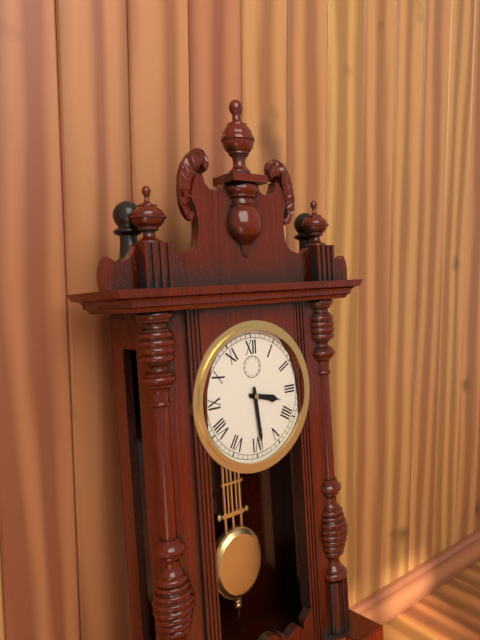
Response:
h=3 m=29
